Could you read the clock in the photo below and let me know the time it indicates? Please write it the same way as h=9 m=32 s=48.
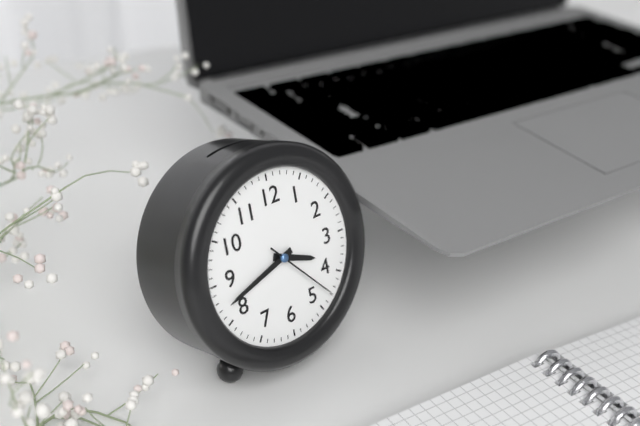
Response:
h=3 m=42 s=23
